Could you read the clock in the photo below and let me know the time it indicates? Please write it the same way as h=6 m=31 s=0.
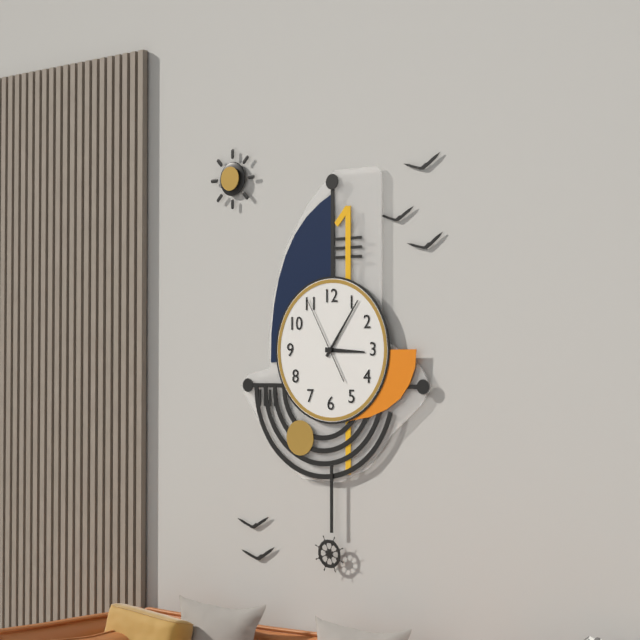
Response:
h=3 m=6 s=55
